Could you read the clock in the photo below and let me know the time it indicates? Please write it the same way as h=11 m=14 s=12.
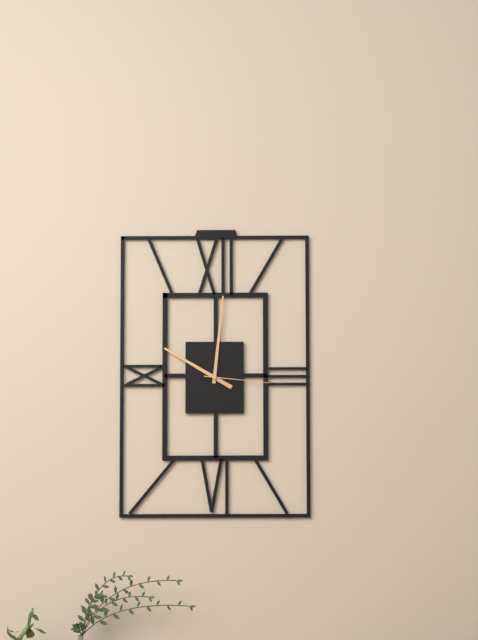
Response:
h=10 m=1 s=16
